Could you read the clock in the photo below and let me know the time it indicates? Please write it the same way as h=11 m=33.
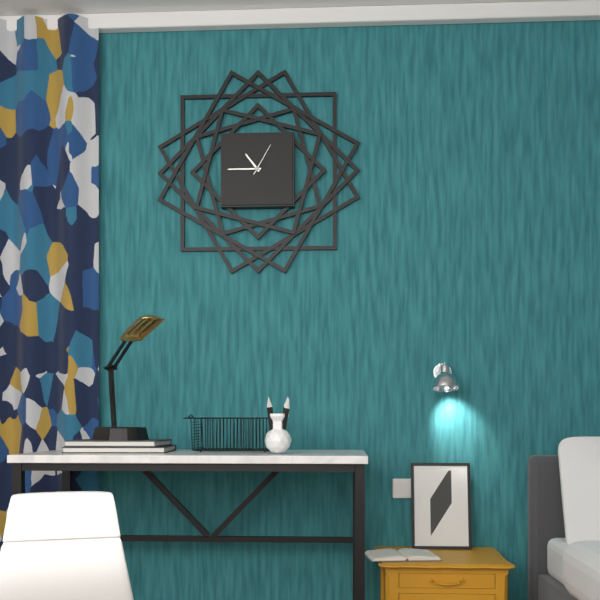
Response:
h=10 m=45
